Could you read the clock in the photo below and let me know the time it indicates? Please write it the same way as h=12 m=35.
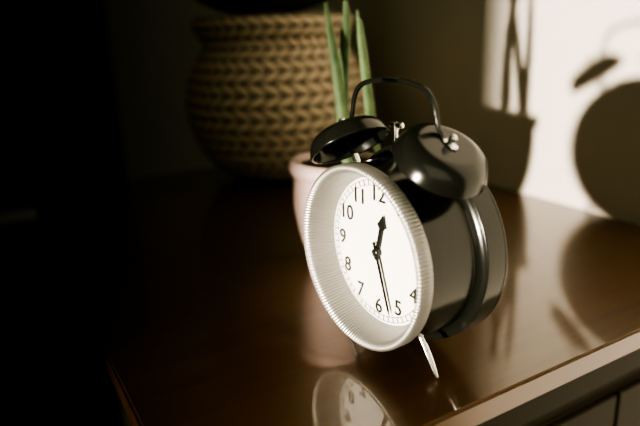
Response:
h=12 m=27
